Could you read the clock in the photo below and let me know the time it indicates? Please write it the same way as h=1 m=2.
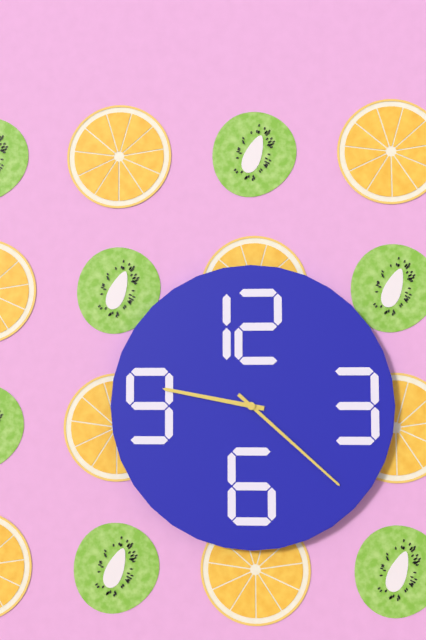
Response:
h=9 m=22
